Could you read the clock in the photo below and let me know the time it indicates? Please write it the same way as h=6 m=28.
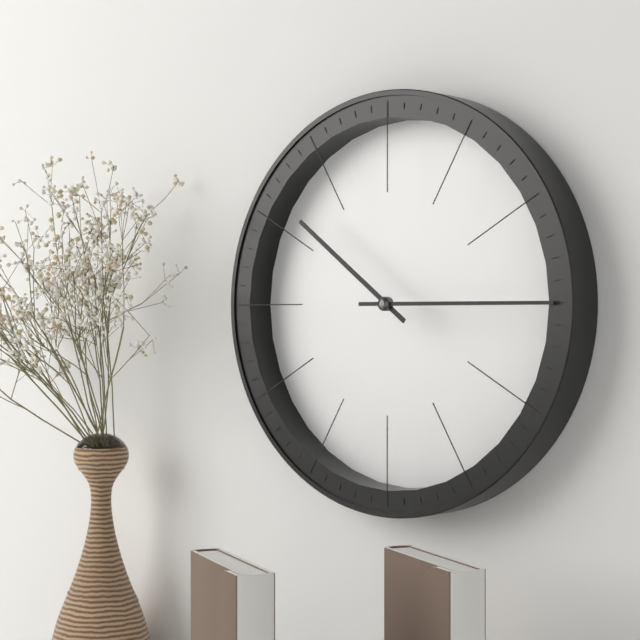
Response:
h=10 m=15
